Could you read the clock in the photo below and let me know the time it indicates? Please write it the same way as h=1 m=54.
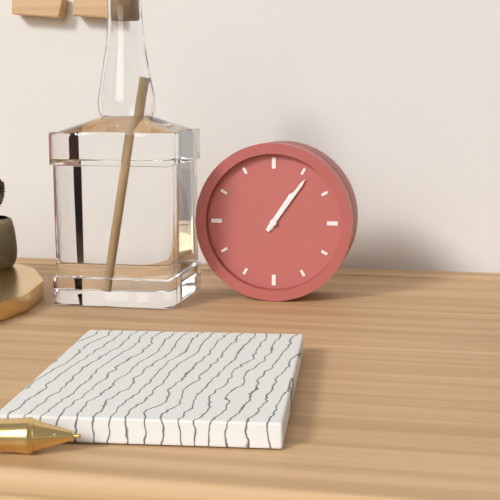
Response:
h=1 m=6
